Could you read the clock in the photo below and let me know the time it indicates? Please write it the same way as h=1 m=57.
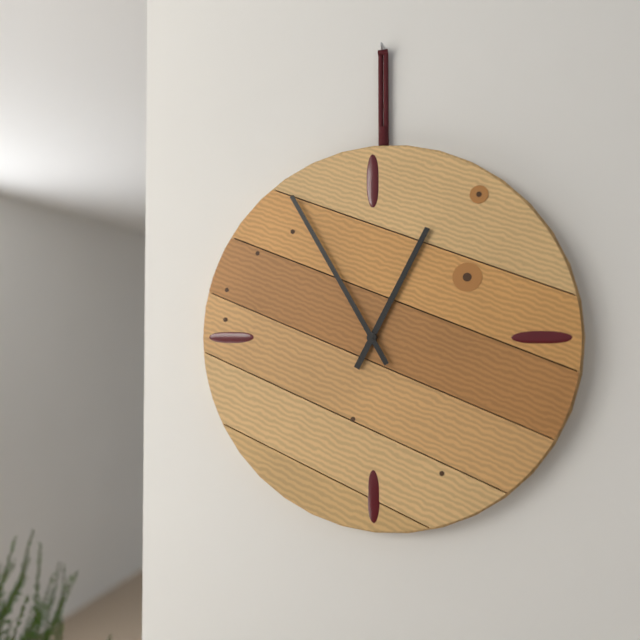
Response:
h=12 m=55
